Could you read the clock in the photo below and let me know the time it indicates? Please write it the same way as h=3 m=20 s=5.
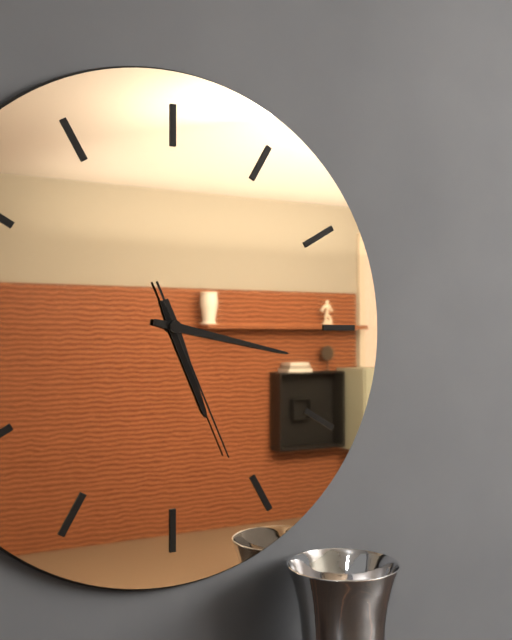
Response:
h=5 m=17 s=26
